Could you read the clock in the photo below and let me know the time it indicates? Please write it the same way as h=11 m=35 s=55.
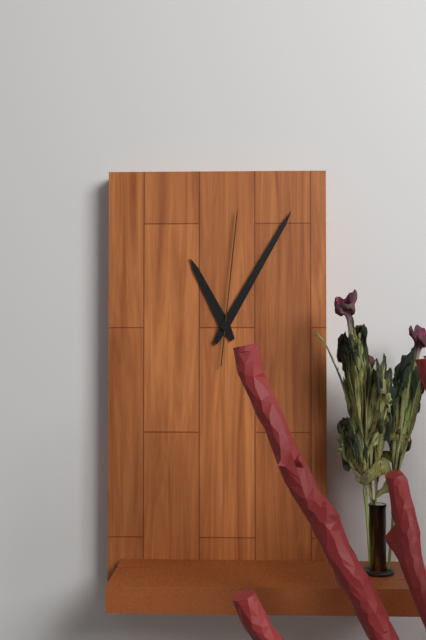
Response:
h=11 m=5 s=1
